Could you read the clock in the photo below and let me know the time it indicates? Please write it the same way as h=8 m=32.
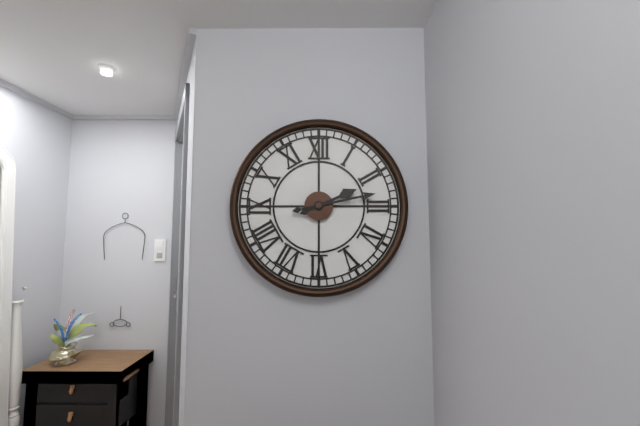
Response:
h=2 m=13
